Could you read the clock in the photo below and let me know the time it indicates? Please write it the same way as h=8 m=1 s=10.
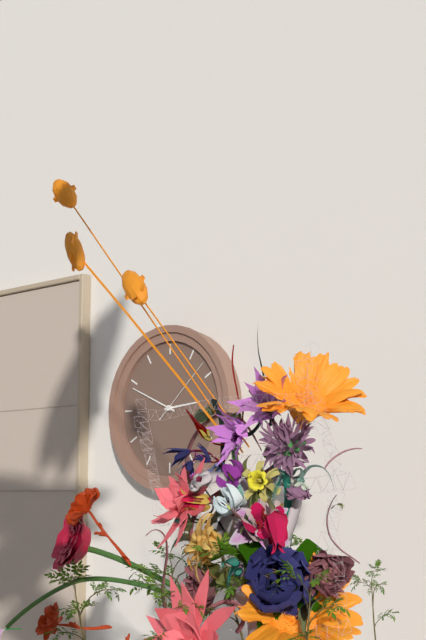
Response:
h=2 m=49 s=8
